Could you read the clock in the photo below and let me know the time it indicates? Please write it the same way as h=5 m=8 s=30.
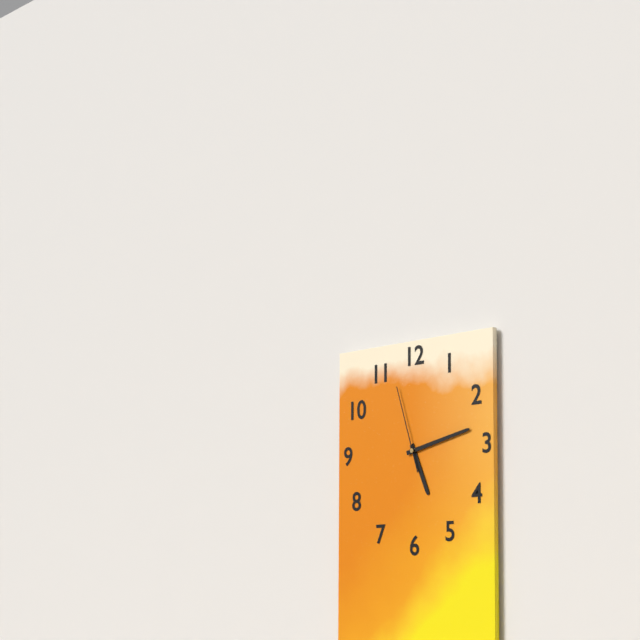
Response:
h=5 m=13 s=57
